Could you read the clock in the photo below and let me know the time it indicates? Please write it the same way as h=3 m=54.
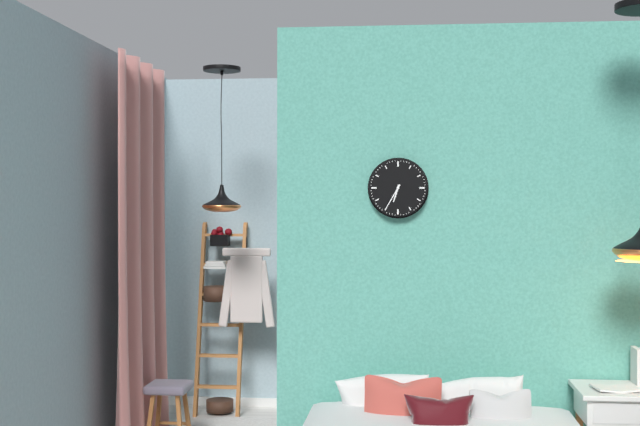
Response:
h=6 m=35
